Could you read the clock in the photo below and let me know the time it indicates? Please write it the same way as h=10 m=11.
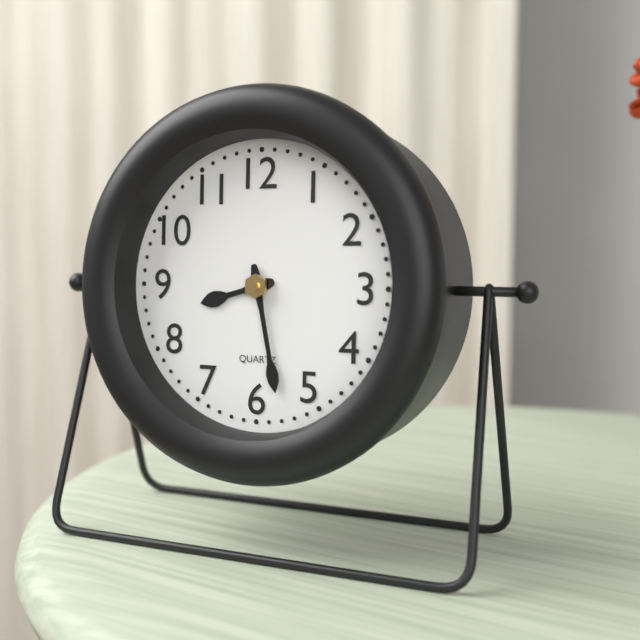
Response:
h=8 m=28
